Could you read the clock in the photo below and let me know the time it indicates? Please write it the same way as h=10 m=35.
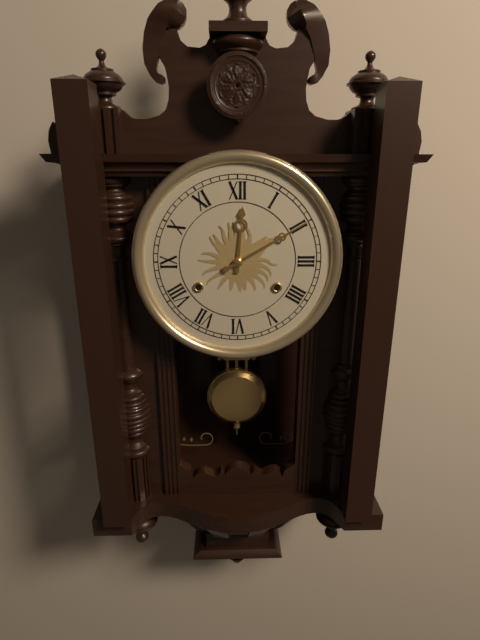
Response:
h=12 m=10
